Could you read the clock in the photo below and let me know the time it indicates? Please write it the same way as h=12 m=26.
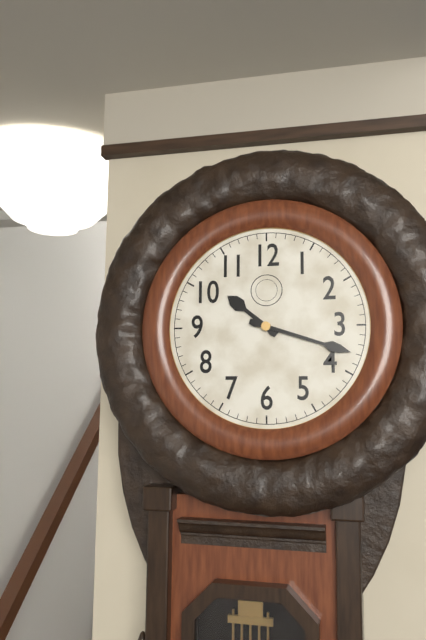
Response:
h=10 m=18
